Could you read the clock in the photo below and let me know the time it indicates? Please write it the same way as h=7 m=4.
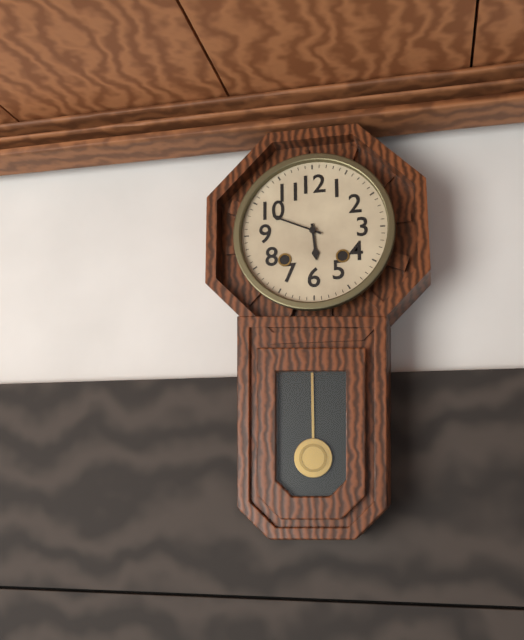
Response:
h=5 m=49
